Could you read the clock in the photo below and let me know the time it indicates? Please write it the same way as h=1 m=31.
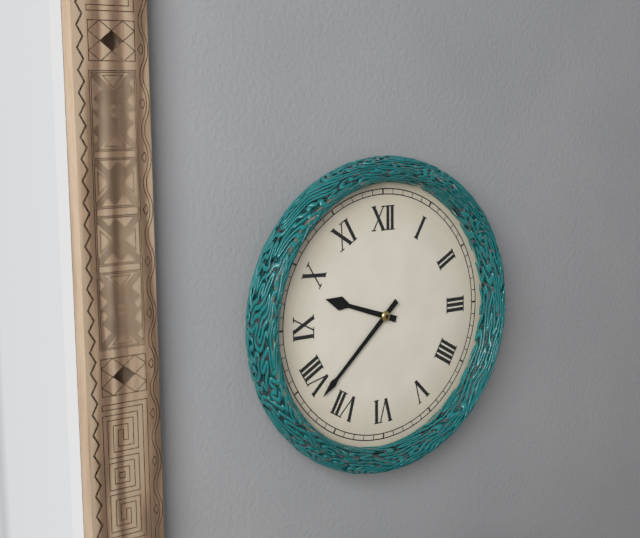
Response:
h=9 m=38
